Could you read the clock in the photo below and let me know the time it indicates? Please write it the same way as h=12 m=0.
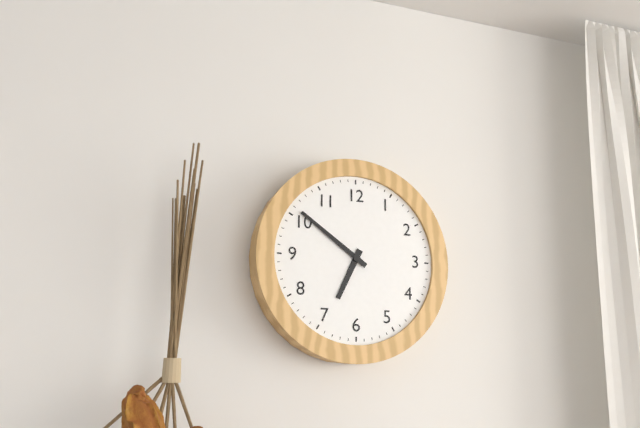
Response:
h=6 m=51
